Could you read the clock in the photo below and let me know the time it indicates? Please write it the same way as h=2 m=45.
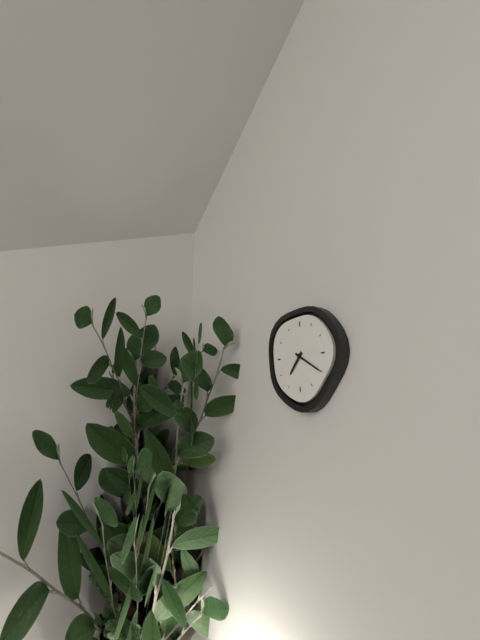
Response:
h=7 m=20
